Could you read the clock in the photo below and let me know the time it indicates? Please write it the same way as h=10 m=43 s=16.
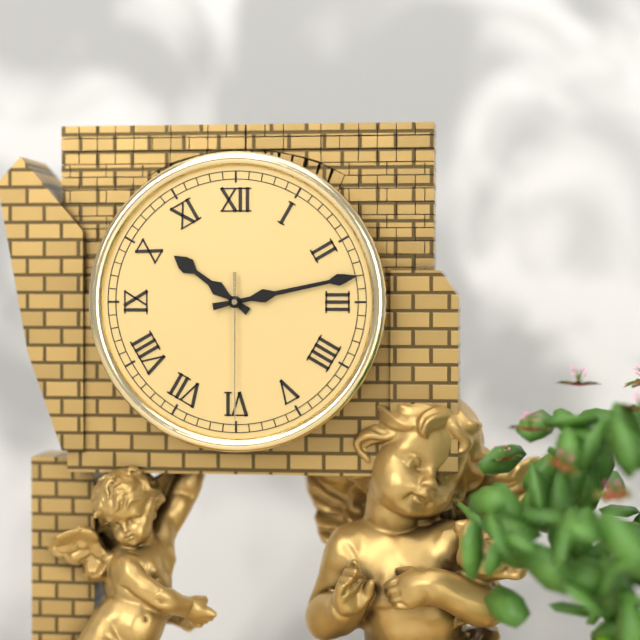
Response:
h=10 m=13 s=30
